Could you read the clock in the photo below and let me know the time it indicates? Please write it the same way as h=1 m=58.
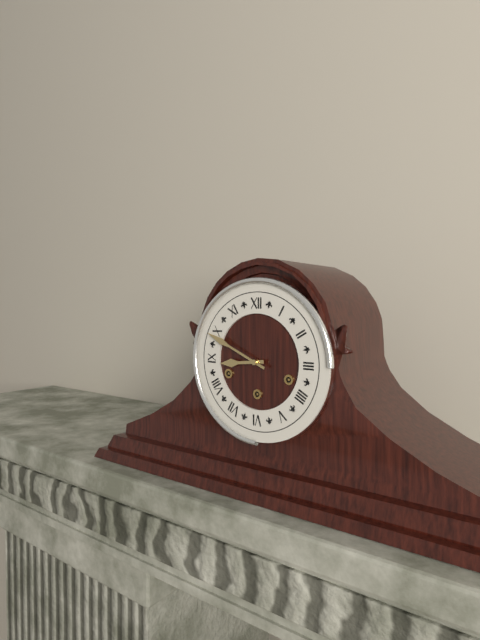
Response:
h=8 m=49
